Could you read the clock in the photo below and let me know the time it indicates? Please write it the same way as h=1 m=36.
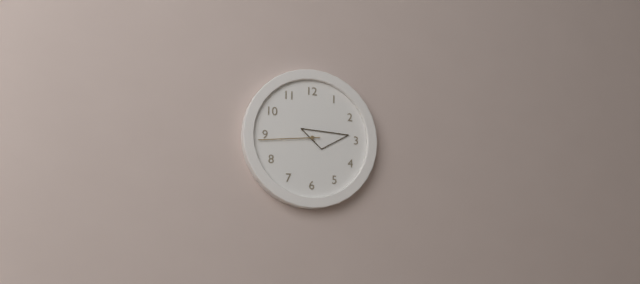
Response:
h=2 m=44
